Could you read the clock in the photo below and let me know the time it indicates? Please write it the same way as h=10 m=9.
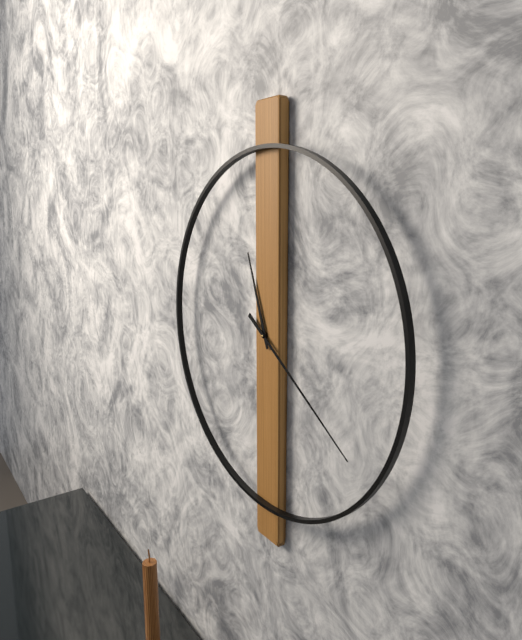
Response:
h=11 m=21
